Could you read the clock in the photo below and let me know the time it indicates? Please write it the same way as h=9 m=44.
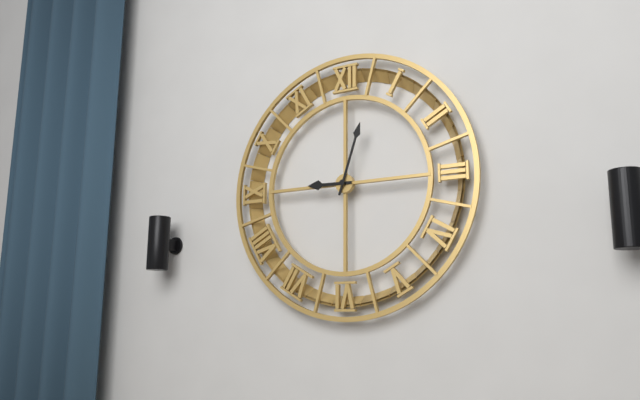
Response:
h=9 m=3
